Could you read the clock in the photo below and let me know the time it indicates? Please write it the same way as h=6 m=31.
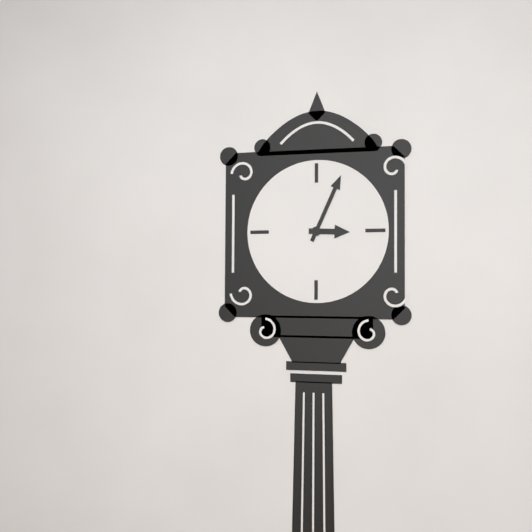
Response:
h=3 m=4
